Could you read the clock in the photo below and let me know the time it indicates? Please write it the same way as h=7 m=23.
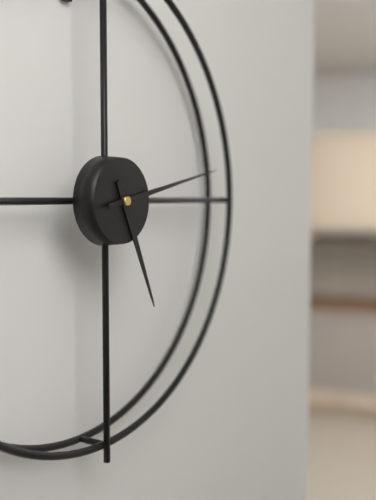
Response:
h=5 m=13
